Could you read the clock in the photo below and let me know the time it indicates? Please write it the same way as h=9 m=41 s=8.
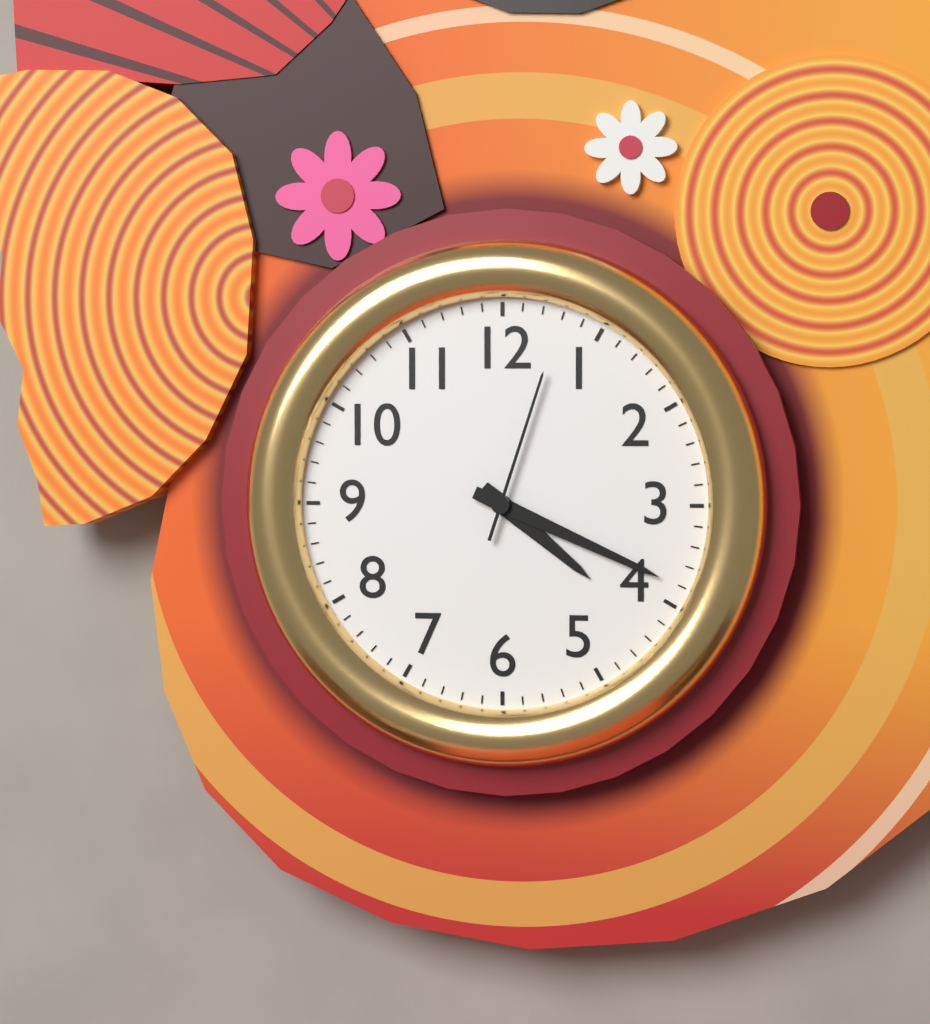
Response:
h=4 m=19 s=3
